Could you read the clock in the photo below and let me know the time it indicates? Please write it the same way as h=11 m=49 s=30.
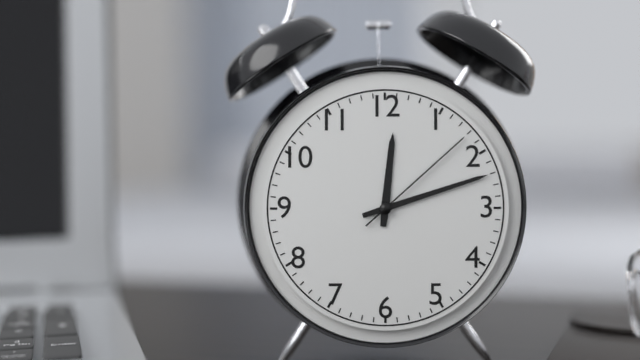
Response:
h=12 m=12 s=8
